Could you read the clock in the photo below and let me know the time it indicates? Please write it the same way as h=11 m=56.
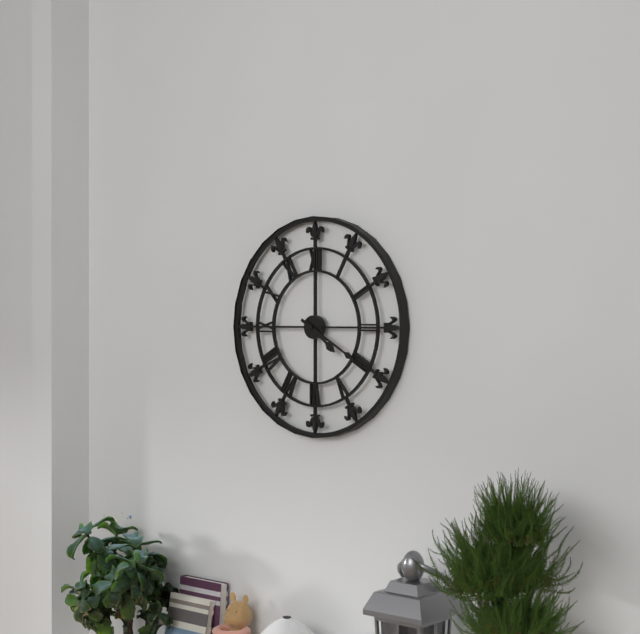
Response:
h=4 m=20
